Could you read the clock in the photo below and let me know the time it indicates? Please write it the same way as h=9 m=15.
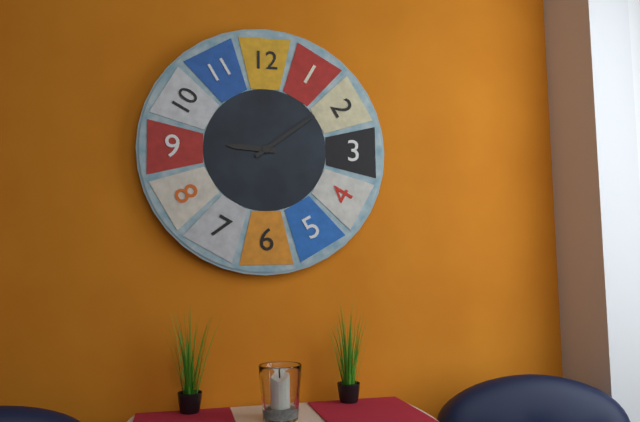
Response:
h=9 m=9
